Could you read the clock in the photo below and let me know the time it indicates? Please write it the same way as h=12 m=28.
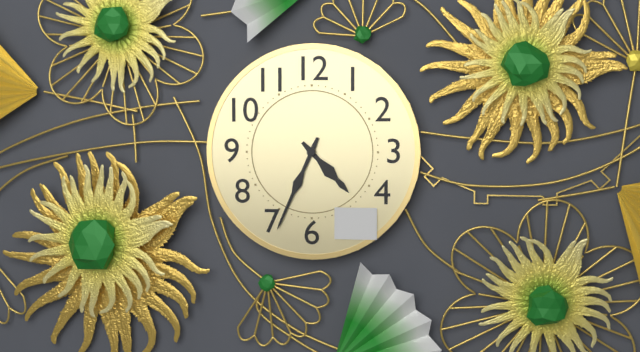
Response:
h=4 m=34
